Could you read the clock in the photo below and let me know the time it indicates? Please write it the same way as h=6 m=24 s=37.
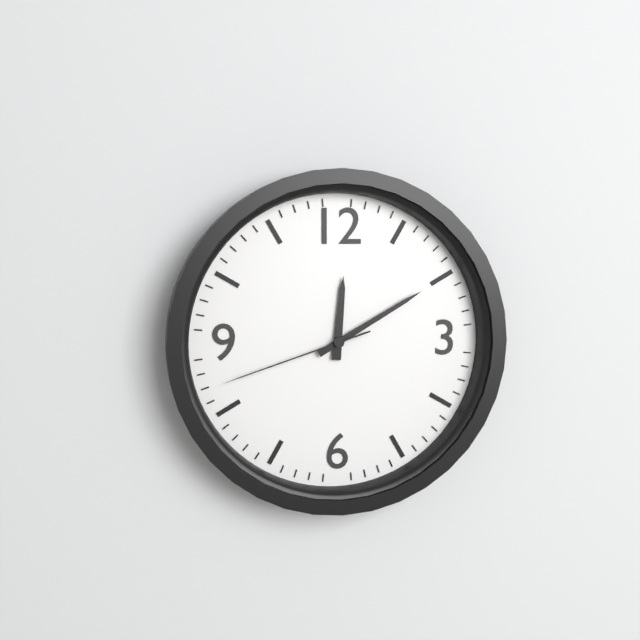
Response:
h=12 m=10 s=42
